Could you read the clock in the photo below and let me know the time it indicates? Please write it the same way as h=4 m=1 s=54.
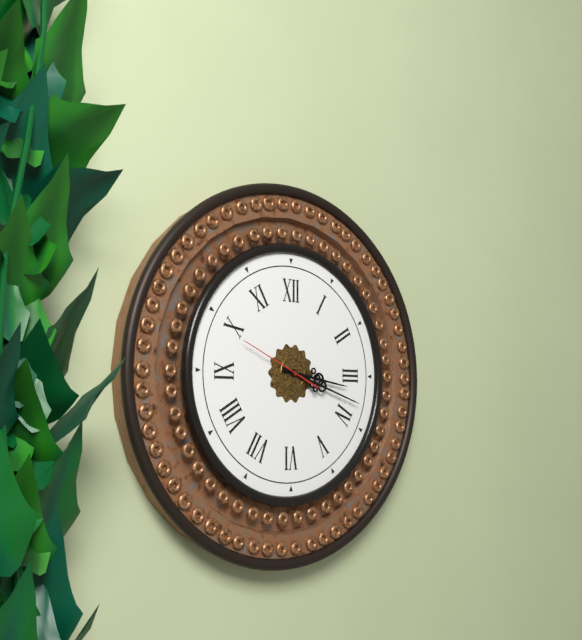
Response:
h=3 m=18 s=49
